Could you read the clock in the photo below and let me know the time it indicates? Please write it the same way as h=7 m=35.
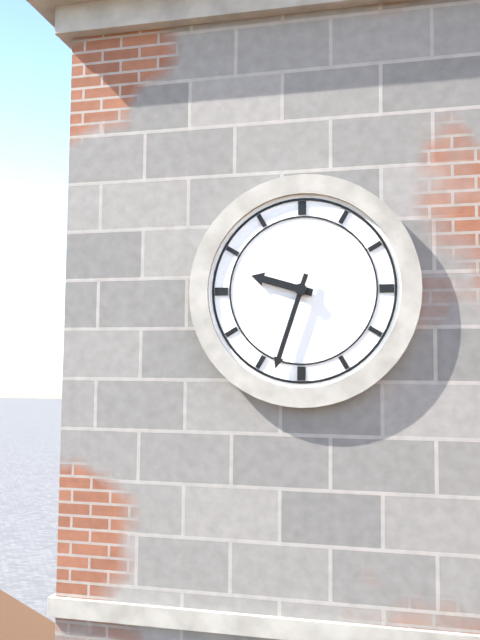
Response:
h=9 m=33
